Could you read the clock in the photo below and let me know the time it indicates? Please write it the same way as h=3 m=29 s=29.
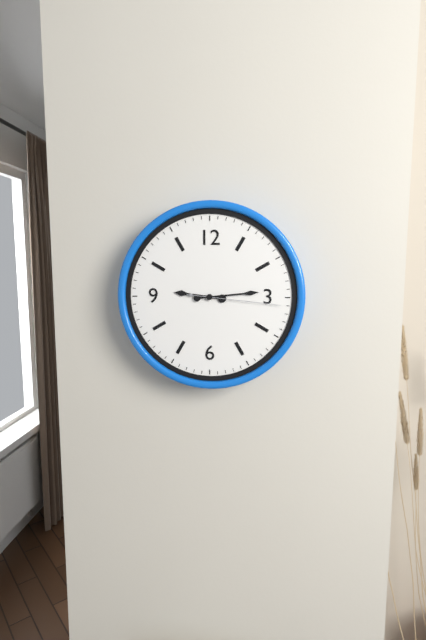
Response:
h=9 m=14 s=16
